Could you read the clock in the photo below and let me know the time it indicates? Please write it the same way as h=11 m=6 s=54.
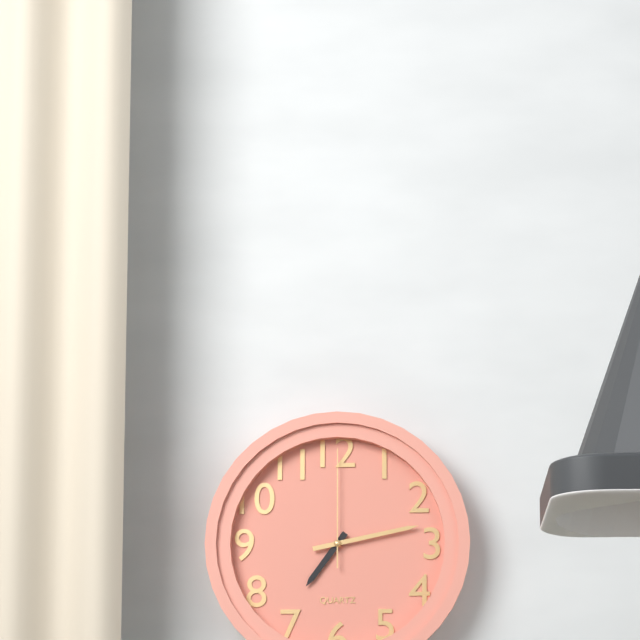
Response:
h=7 m=13 s=0
